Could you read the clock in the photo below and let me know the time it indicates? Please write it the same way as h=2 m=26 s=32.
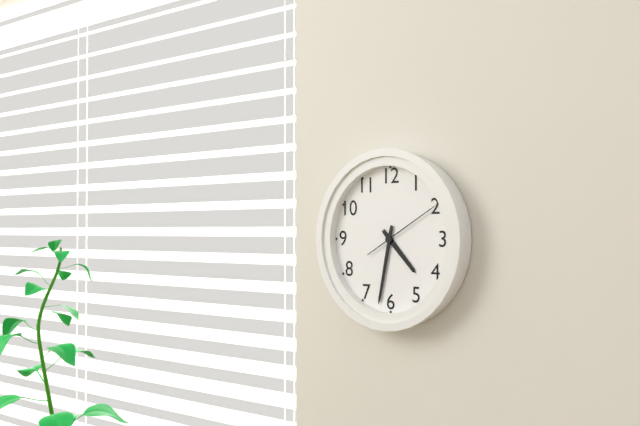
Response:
h=4 m=32 s=10
